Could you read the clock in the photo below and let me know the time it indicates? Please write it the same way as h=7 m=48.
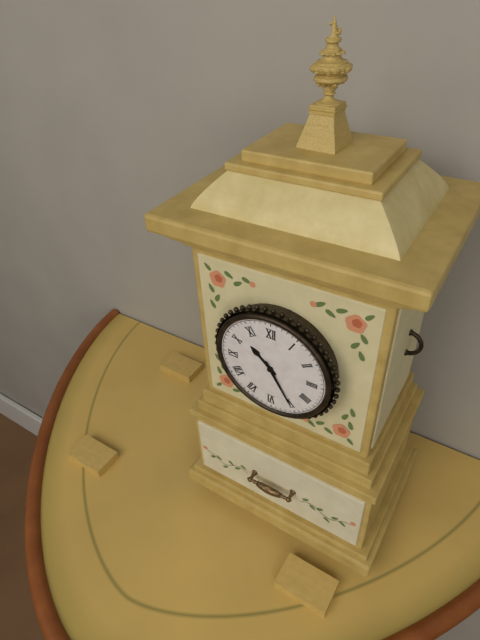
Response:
h=10 m=25
